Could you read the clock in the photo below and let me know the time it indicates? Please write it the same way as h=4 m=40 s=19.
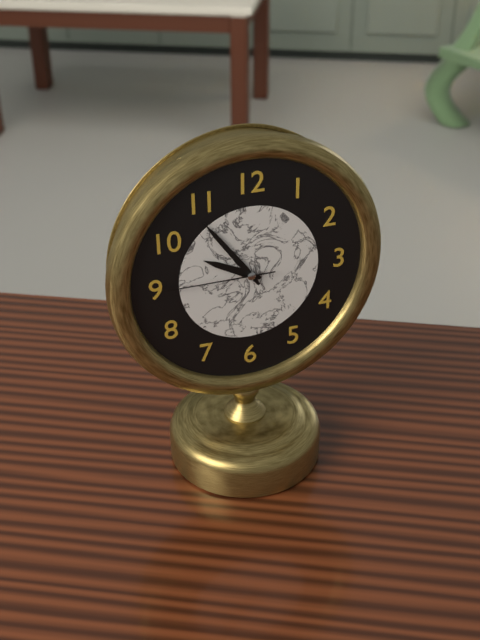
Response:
h=9 m=54 s=45
